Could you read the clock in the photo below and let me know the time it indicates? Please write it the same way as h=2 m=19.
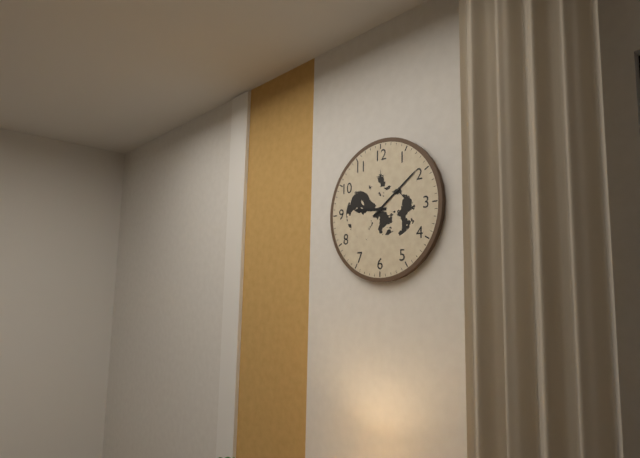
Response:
h=9 m=9
